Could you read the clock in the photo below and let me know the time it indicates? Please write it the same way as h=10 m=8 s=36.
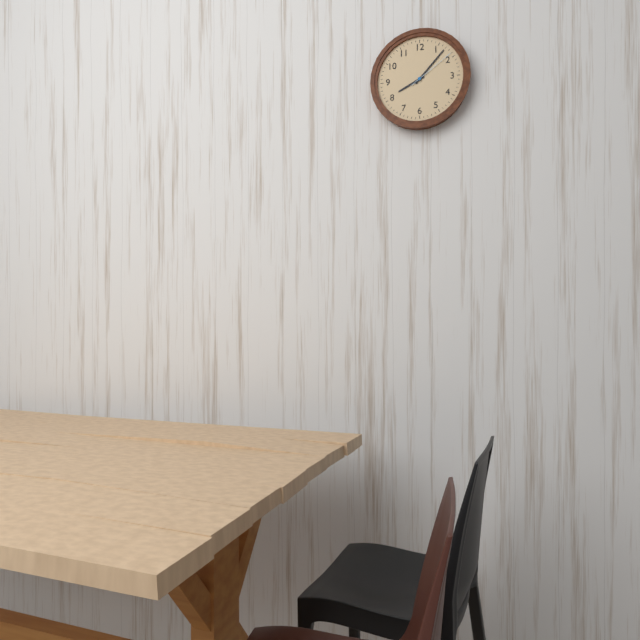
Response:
h=8 m=7 s=9
